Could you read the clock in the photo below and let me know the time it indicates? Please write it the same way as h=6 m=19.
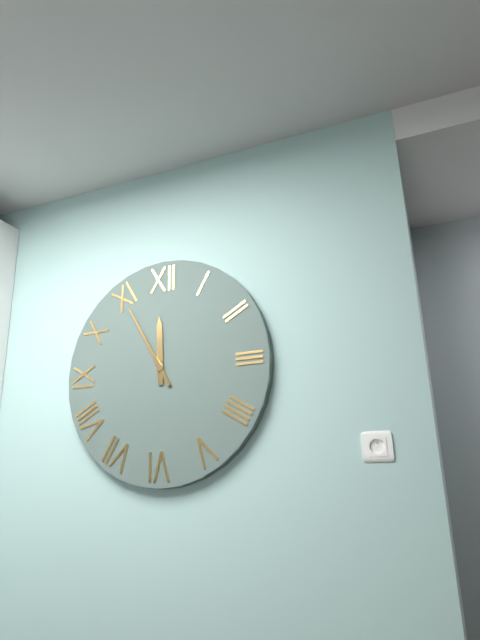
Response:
h=11 m=55
